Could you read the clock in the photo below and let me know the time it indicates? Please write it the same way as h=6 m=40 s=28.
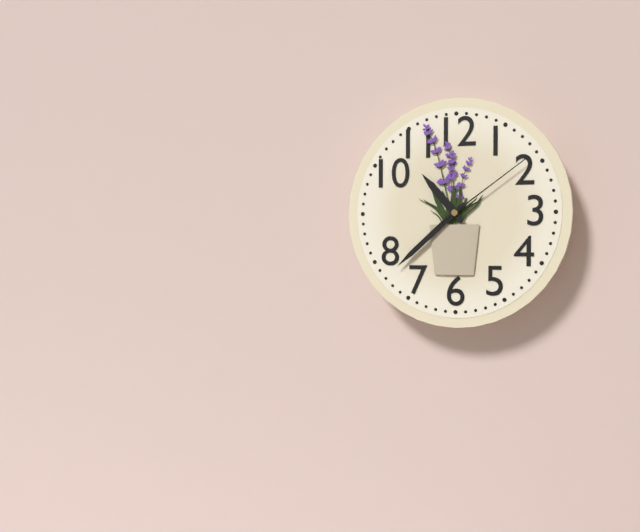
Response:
h=10 m=38 s=9
